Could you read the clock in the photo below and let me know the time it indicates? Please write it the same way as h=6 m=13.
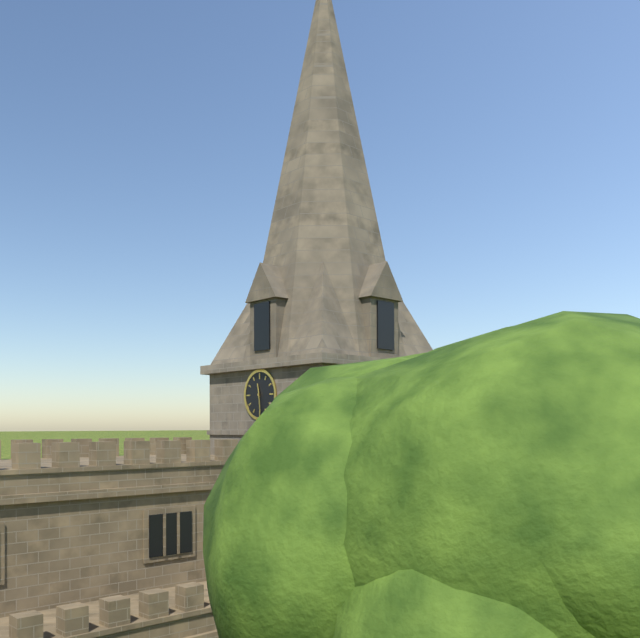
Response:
h=11 m=29
